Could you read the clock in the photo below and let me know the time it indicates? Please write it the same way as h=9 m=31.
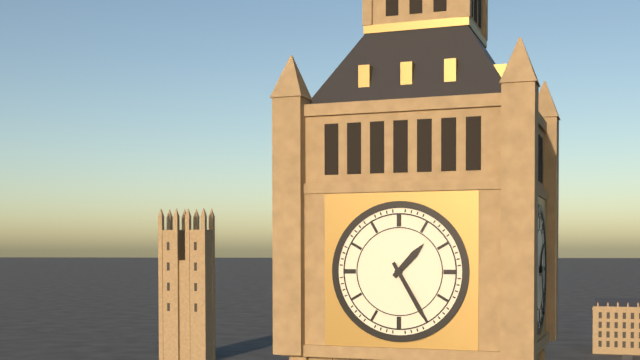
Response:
h=1 m=25
